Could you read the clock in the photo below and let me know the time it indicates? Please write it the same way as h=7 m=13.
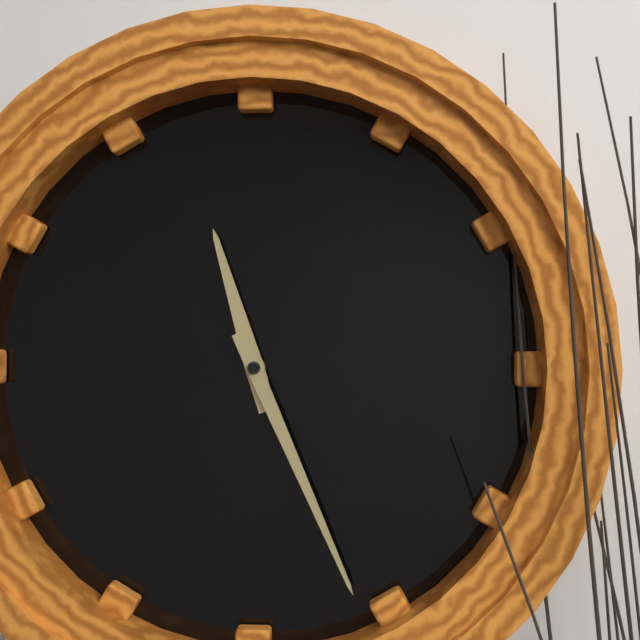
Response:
h=11 m=26
